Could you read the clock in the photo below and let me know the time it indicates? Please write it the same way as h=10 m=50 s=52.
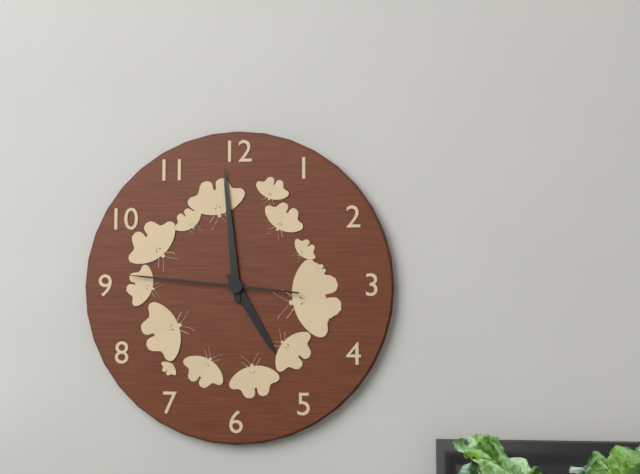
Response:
h=4 m=59 s=46
